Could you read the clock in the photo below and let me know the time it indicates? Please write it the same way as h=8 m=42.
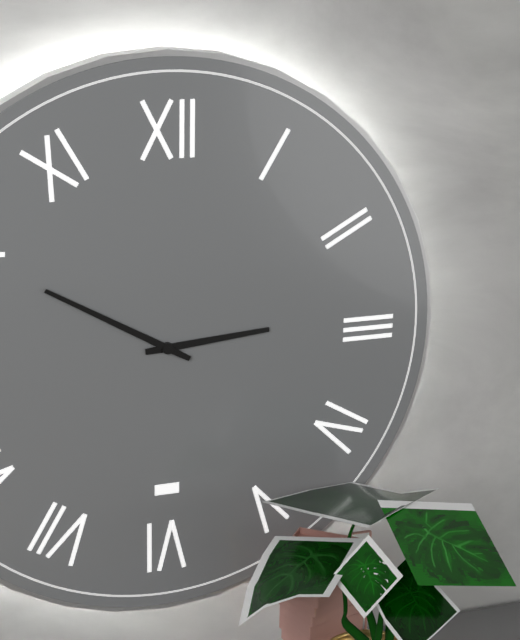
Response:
h=2 m=50
